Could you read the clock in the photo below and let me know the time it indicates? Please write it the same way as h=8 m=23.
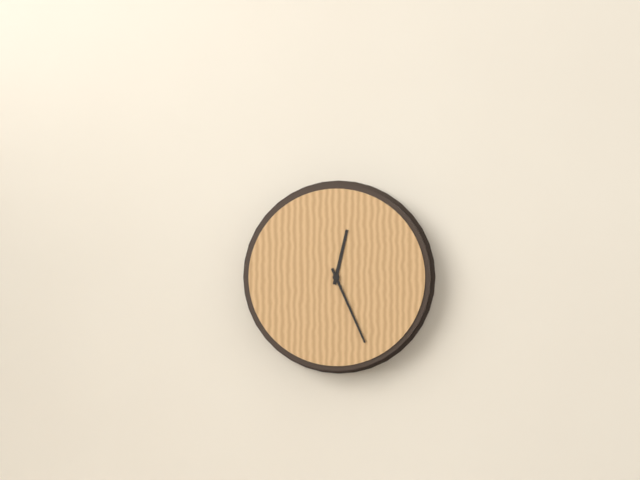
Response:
h=12 m=26
